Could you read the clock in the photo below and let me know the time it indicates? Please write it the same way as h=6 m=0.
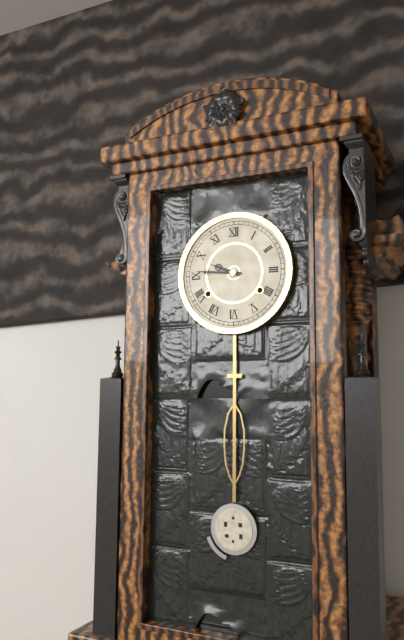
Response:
h=9 m=46
